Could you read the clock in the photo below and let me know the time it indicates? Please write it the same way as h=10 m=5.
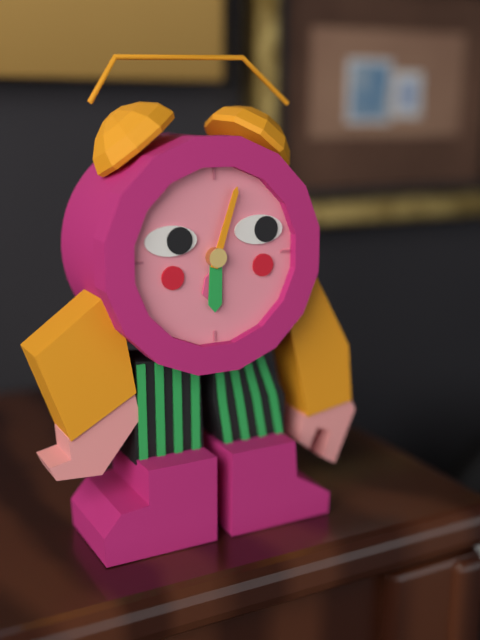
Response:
h=6 m=3
